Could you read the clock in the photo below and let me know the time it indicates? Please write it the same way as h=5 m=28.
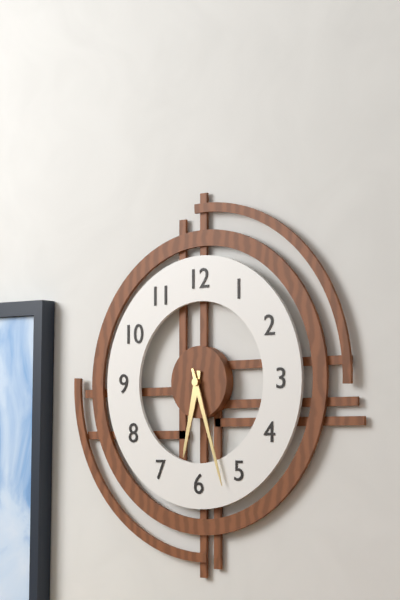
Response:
h=6 m=27
